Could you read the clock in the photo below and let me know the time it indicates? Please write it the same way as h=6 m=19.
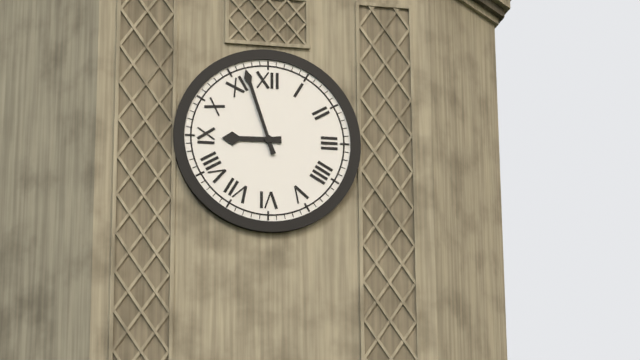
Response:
h=8 m=57
